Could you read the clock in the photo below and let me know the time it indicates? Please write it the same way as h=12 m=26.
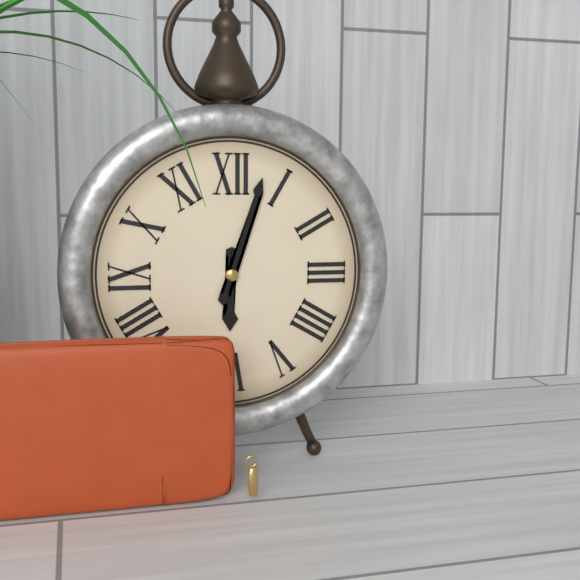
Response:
h=6 m=3
